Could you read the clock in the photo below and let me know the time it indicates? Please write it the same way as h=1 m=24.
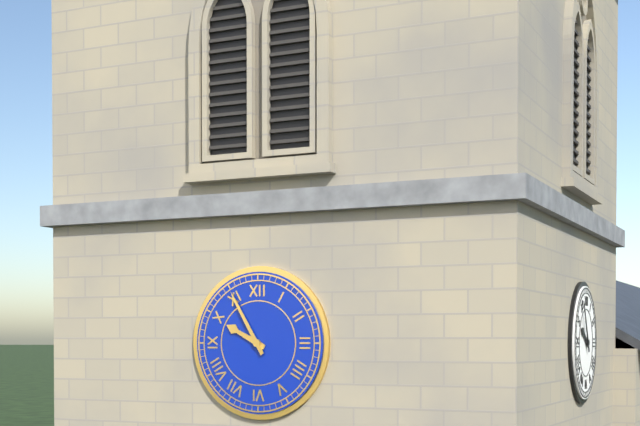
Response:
h=9 m=55
